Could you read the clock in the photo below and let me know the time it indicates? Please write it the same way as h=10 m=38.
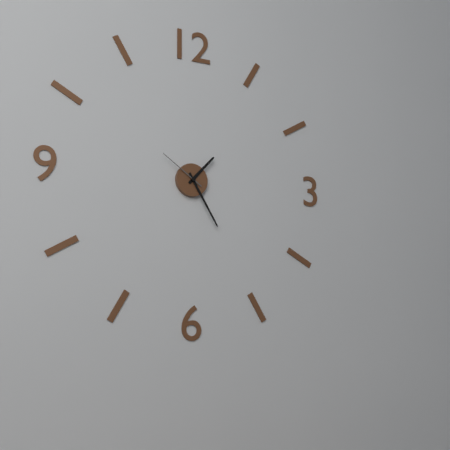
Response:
h=1 m=25
